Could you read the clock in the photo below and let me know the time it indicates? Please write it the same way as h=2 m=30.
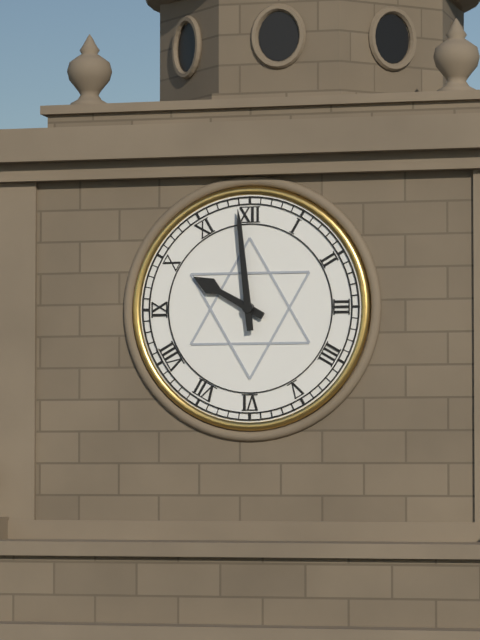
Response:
h=9 m=59
